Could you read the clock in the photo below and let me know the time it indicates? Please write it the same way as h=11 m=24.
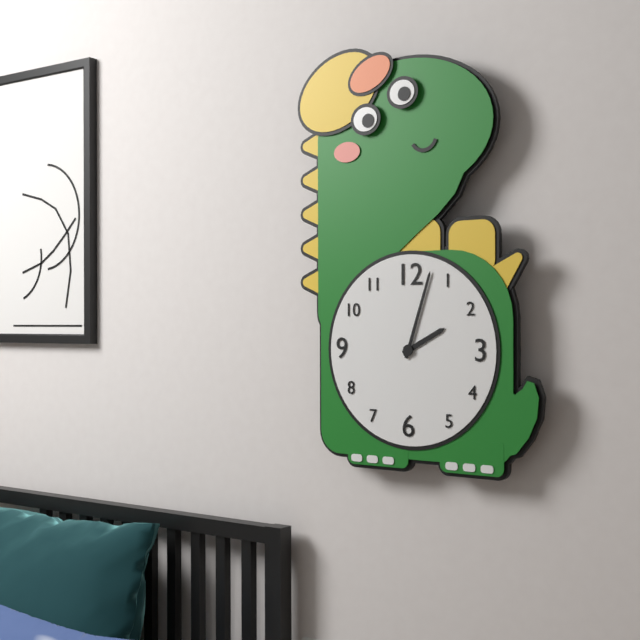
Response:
h=2 m=3
